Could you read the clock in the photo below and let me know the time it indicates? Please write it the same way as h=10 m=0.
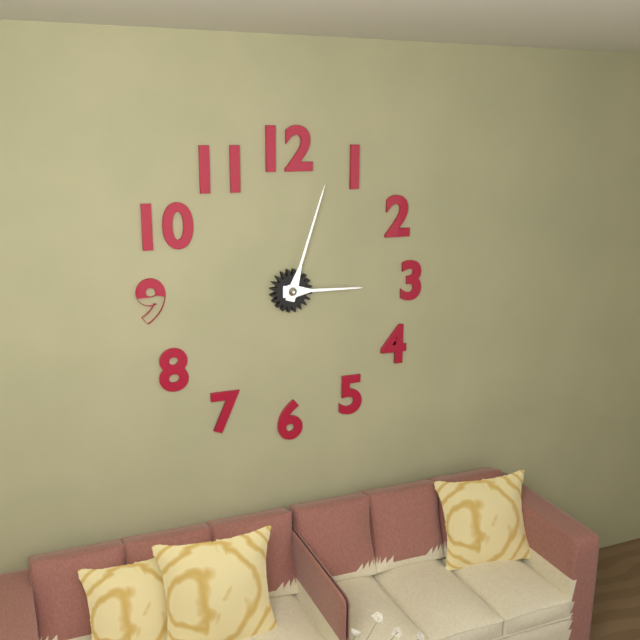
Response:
h=3 m=3
